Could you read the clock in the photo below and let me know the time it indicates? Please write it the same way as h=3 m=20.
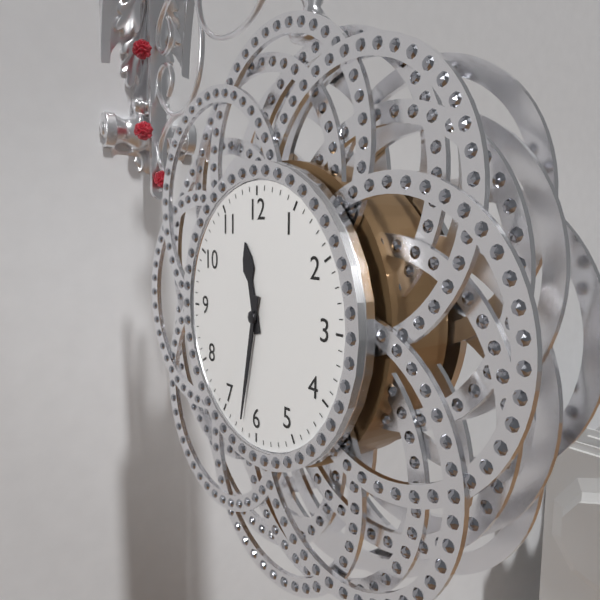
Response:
h=11 m=32
